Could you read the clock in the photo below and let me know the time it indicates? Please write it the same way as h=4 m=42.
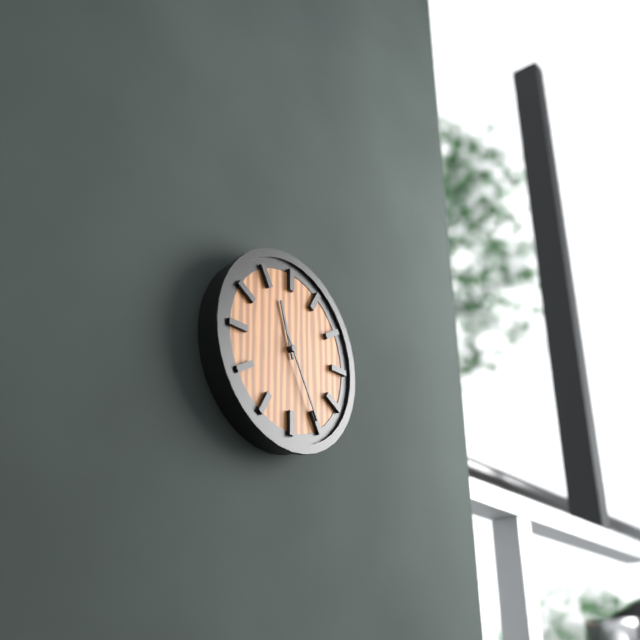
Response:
h=11 m=25
